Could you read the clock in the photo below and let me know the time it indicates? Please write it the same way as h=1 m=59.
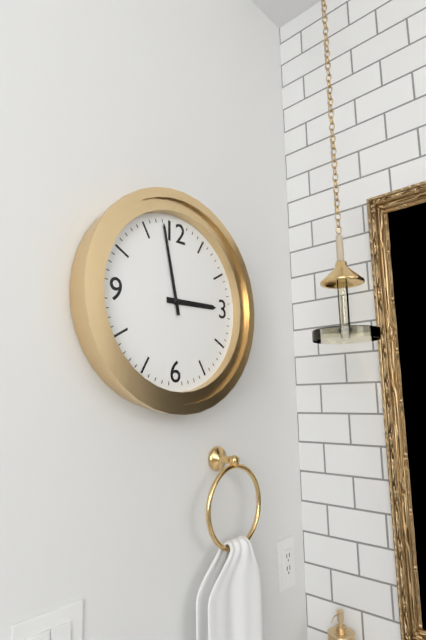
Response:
h=2 m=58
